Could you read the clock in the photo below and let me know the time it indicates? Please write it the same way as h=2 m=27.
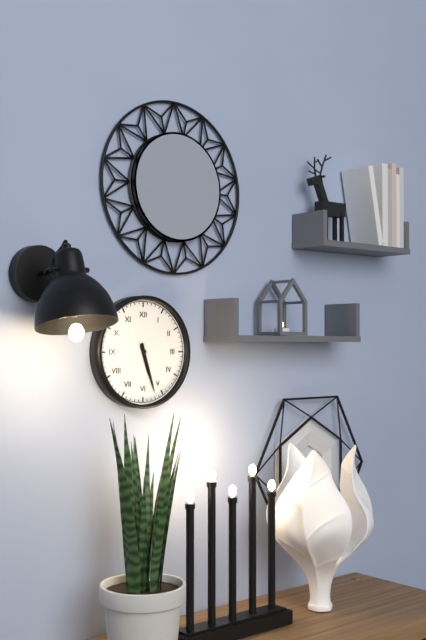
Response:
h=5 m=27
